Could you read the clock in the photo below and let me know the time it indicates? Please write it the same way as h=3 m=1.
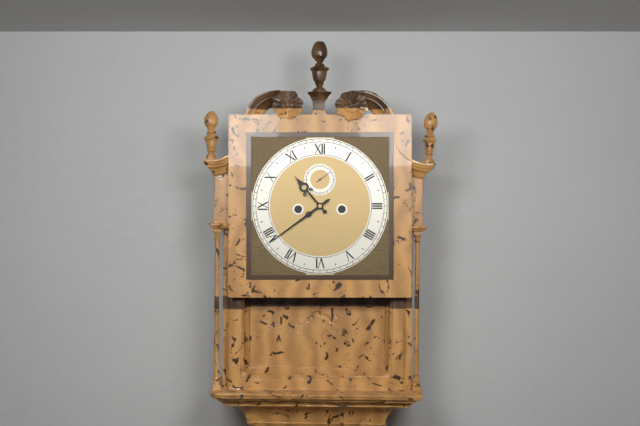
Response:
h=10 m=39
